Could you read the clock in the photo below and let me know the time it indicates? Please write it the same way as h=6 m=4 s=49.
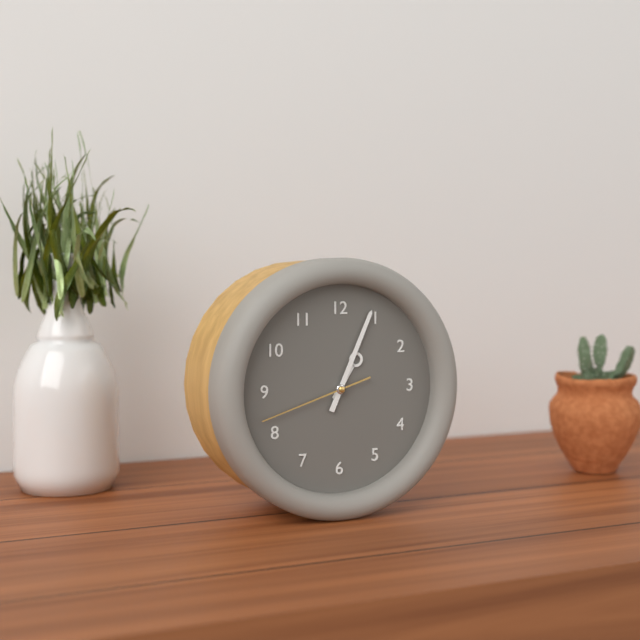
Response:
h=1 m=4 s=42
